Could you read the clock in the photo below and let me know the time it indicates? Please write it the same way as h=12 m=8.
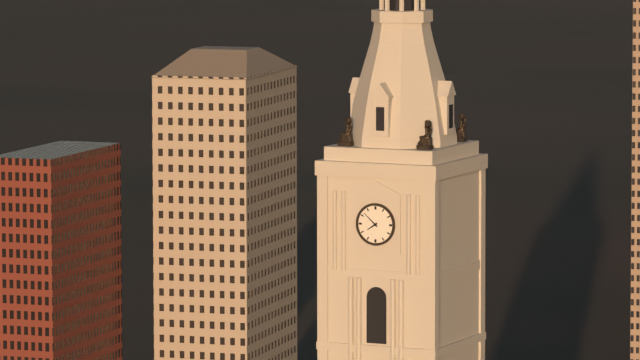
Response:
h=7 m=52
